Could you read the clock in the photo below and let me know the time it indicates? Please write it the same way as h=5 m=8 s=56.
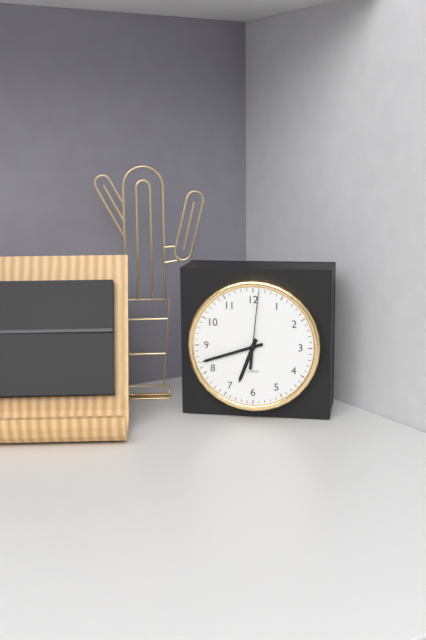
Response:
h=6 m=42 s=1
